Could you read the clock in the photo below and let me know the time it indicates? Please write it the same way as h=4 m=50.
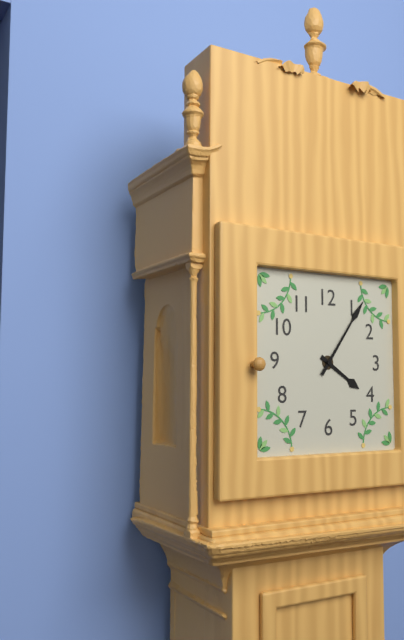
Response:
h=4 m=6
